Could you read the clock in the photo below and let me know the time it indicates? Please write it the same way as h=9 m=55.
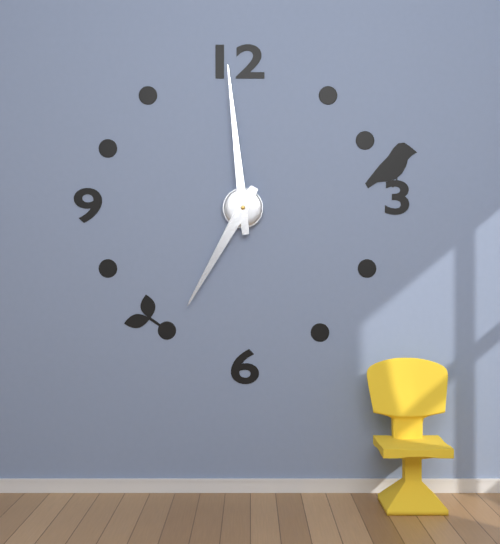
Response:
h=6 m=59
